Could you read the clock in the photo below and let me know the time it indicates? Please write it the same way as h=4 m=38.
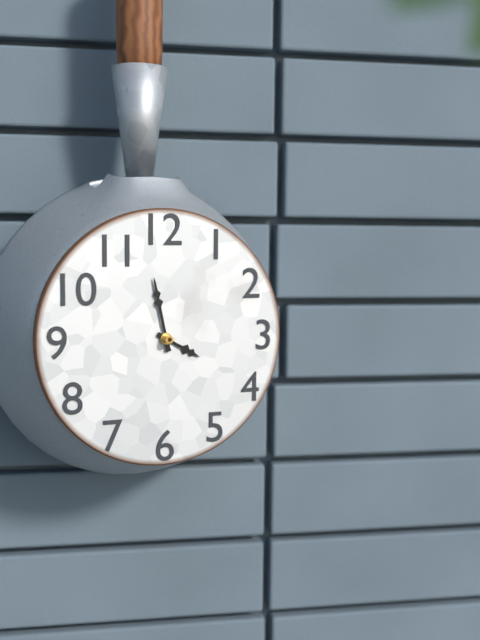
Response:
h=3 m=58
